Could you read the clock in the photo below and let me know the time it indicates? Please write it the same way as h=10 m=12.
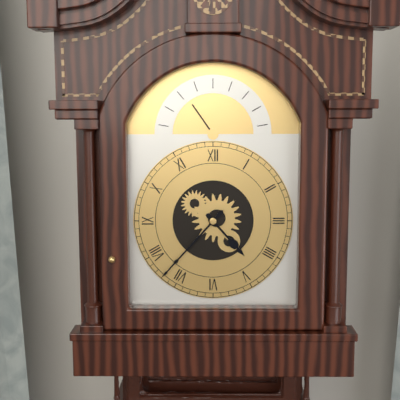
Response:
h=4 m=37
